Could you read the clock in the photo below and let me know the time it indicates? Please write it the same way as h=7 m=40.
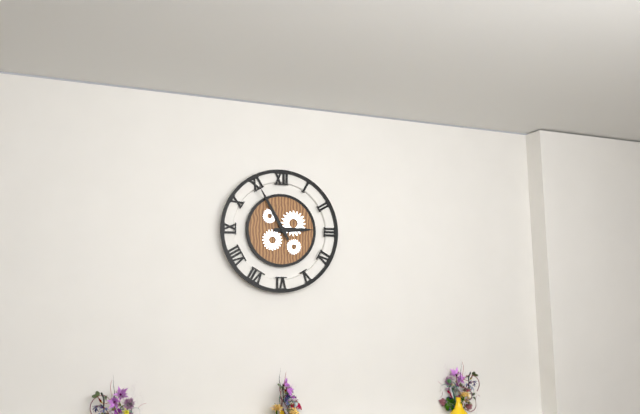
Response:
h=2 m=55
